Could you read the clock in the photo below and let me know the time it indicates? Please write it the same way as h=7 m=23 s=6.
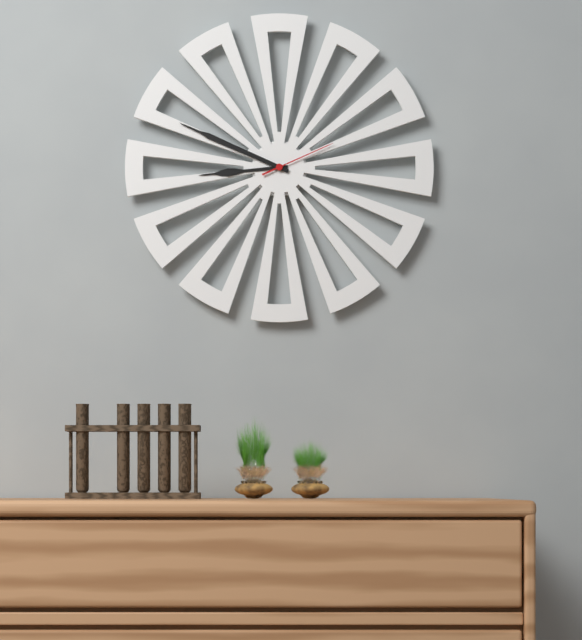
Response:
h=8 m=49 s=11
